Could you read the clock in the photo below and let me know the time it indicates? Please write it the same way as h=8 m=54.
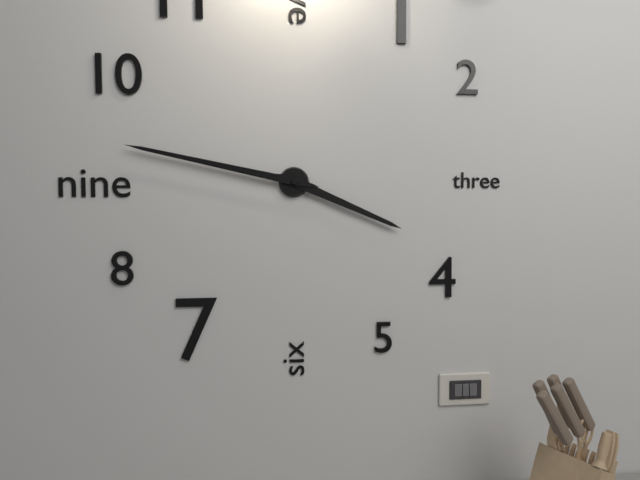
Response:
h=3 m=47
